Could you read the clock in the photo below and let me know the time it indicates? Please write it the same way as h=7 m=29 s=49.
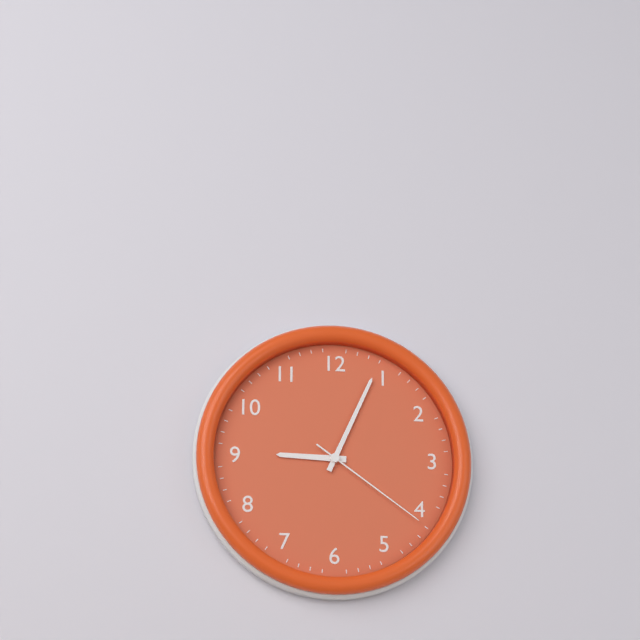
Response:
h=9 m=4 s=21
